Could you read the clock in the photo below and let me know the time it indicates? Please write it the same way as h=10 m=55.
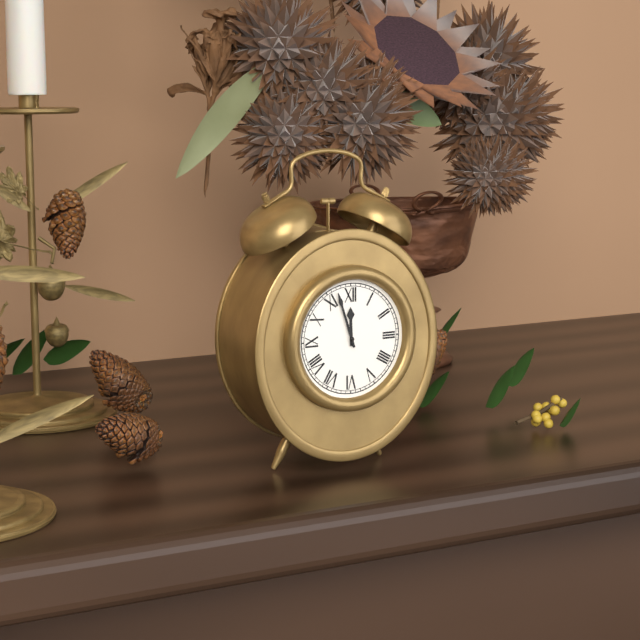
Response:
h=11 m=57
